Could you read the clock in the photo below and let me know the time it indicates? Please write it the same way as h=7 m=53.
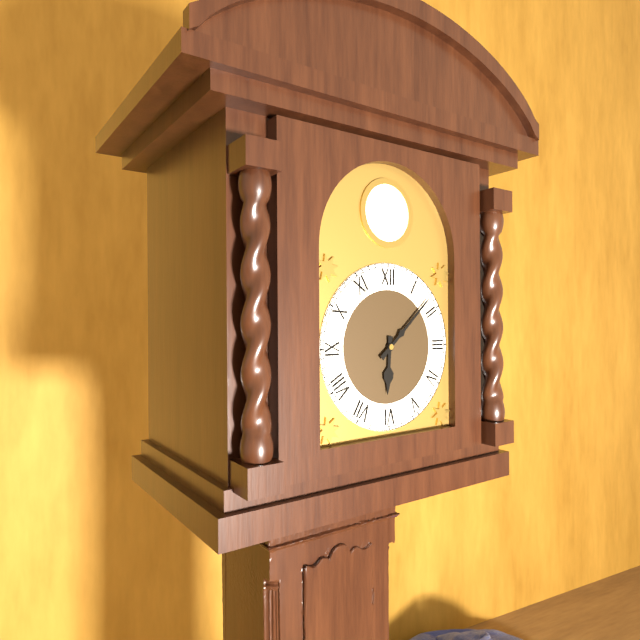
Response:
h=6 m=8
